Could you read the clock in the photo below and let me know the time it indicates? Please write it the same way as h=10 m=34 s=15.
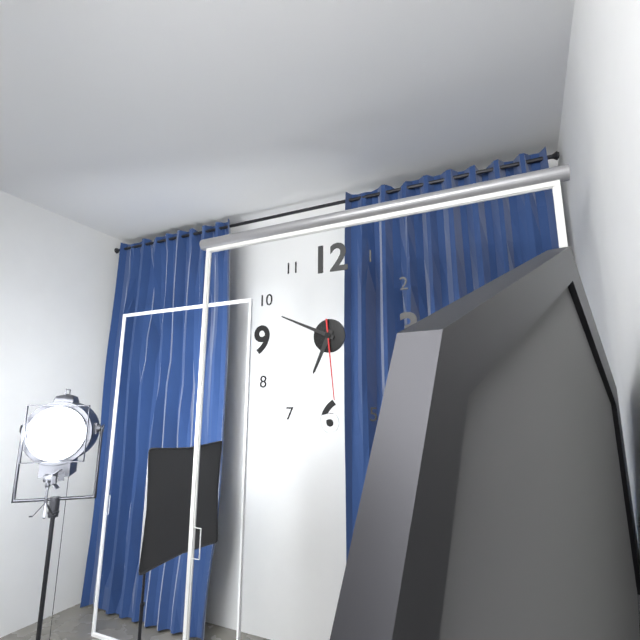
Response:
h=6 m=49 s=29
